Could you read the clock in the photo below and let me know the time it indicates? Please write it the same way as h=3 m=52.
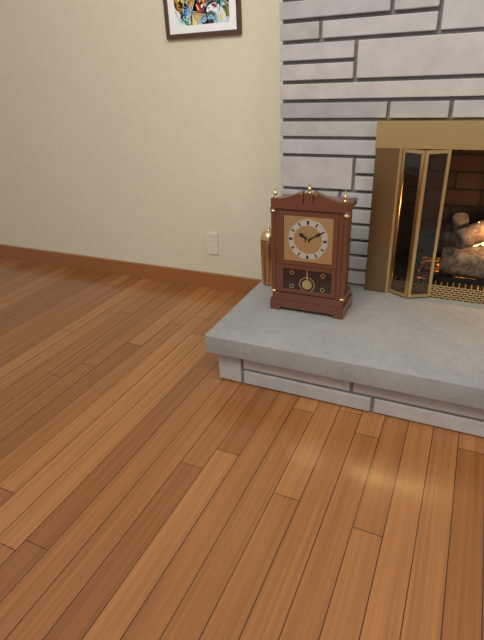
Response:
h=10 m=10
